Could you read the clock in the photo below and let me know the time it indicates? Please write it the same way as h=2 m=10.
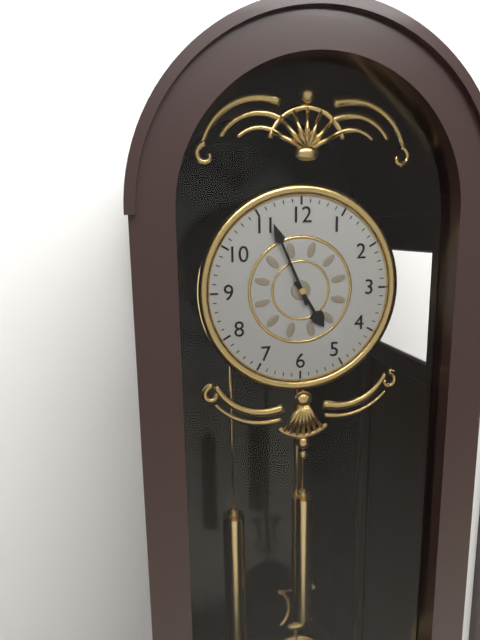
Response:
h=4 m=56
